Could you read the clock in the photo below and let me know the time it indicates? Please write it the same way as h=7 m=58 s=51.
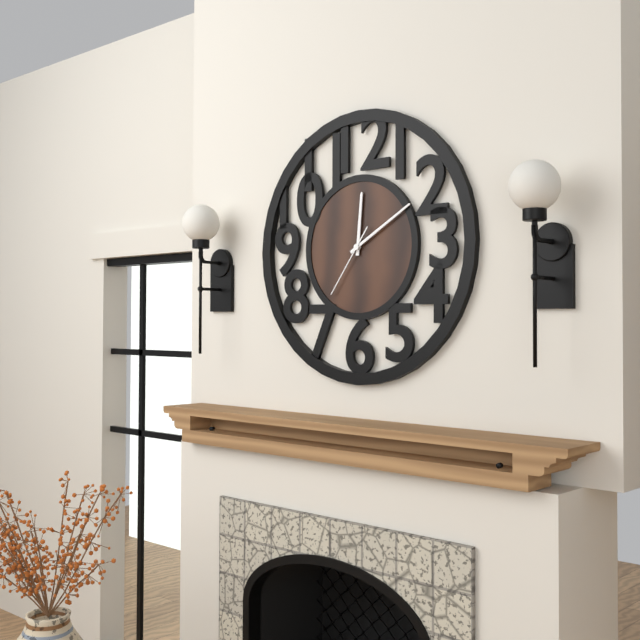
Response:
h=12 m=10 s=36
